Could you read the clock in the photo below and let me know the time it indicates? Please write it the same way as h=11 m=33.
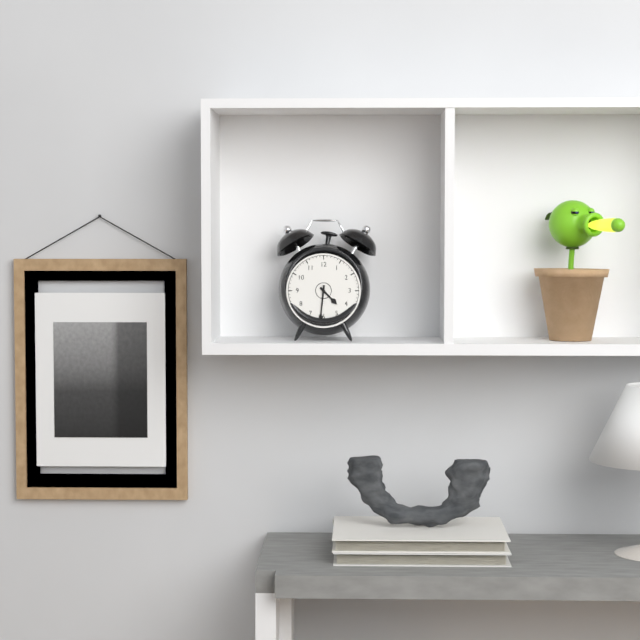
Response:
h=4 m=31
